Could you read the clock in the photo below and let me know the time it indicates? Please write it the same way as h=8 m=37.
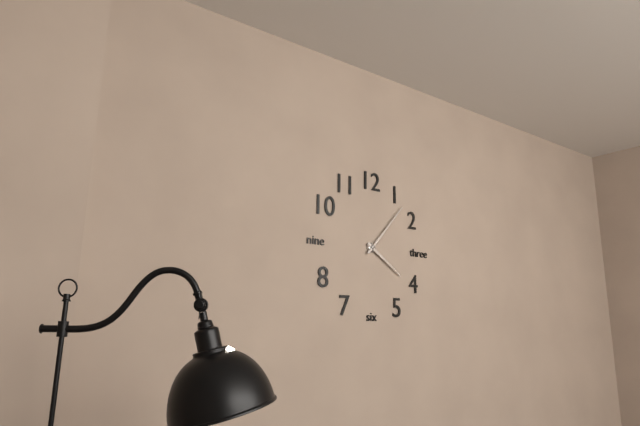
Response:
h=4 m=7
